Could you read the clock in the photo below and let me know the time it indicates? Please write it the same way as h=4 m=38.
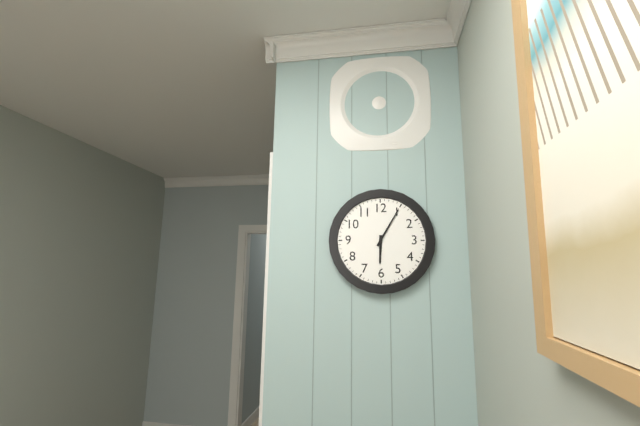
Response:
h=6 m=5
